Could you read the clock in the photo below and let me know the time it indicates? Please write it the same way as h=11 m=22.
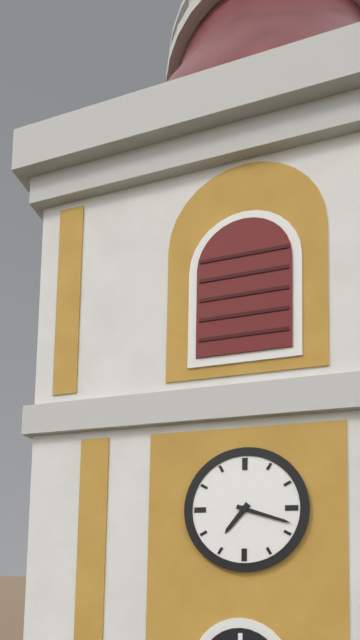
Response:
h=7 m=18
